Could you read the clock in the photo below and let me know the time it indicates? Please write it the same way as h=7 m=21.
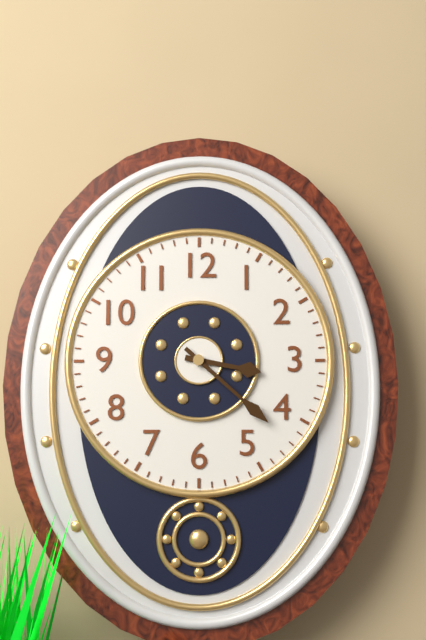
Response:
h=3 m=22
